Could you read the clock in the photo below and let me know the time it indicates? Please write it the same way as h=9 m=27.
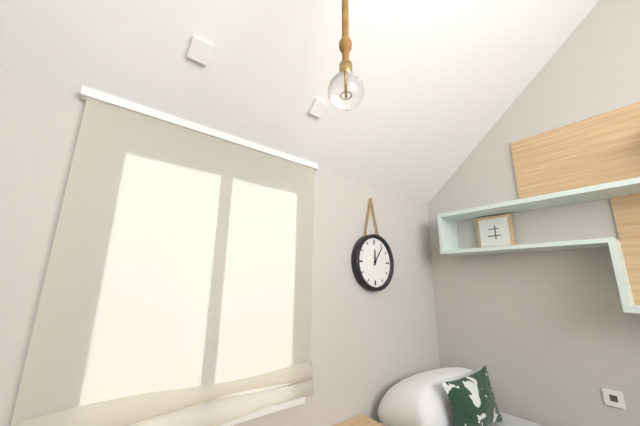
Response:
h=12 m=6
